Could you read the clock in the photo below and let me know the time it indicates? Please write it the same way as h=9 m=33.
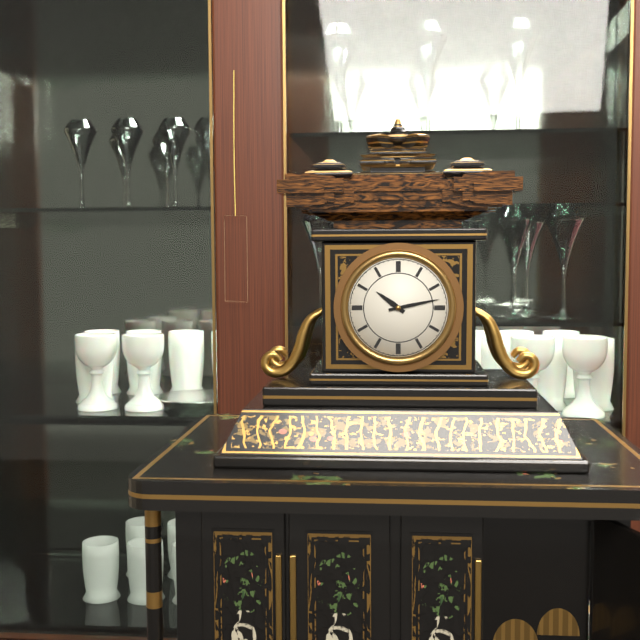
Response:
h=10 m=13
